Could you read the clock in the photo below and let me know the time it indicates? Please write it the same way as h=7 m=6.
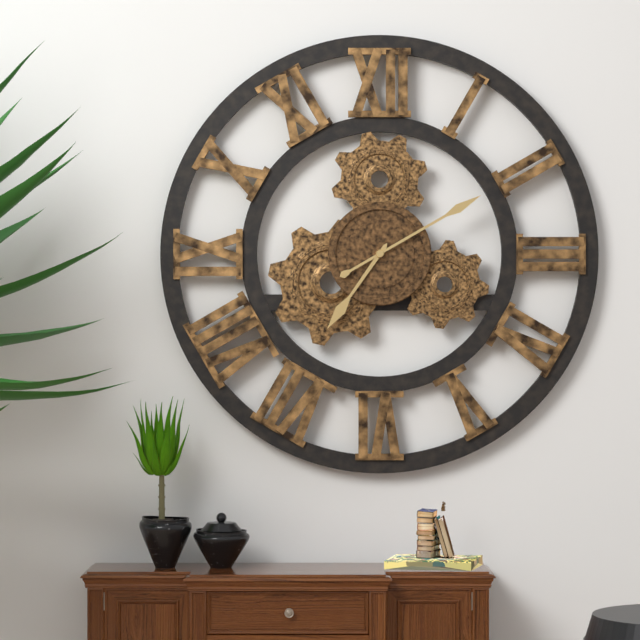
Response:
h=7 m=10
